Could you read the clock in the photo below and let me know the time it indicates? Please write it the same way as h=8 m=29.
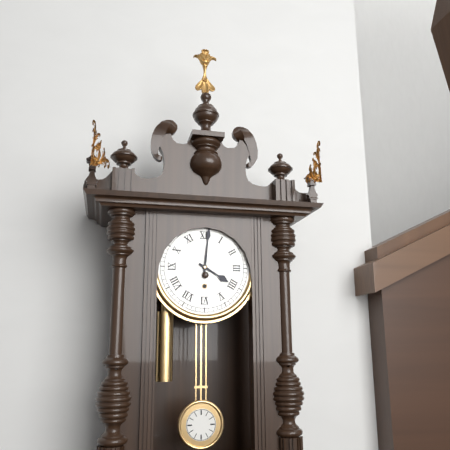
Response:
h=4 m=1
